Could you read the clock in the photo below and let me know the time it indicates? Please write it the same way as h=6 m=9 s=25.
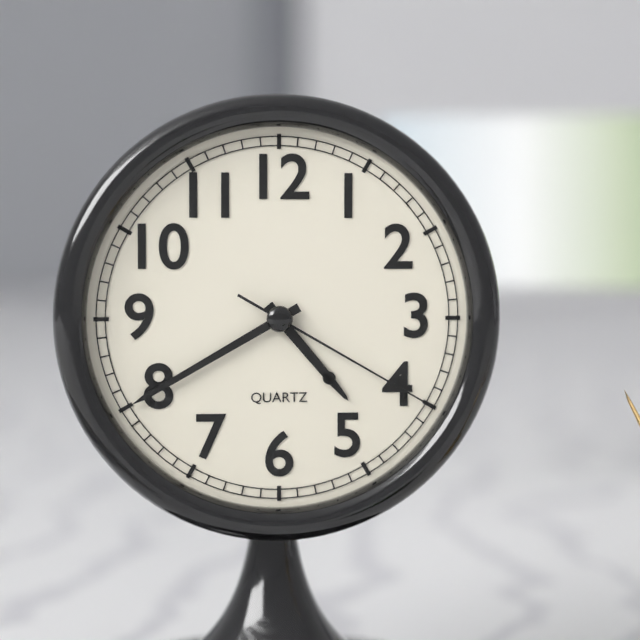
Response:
h=4 m=40 s=20
